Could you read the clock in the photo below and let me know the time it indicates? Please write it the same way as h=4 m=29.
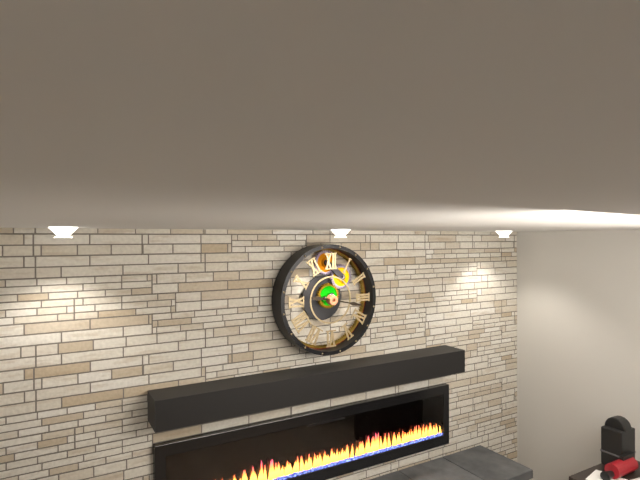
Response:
h=9 m=17
